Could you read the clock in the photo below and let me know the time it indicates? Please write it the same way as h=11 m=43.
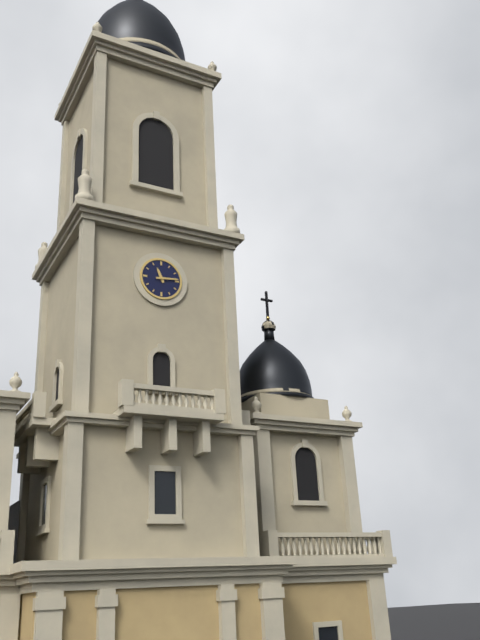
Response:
h=11 m=14
